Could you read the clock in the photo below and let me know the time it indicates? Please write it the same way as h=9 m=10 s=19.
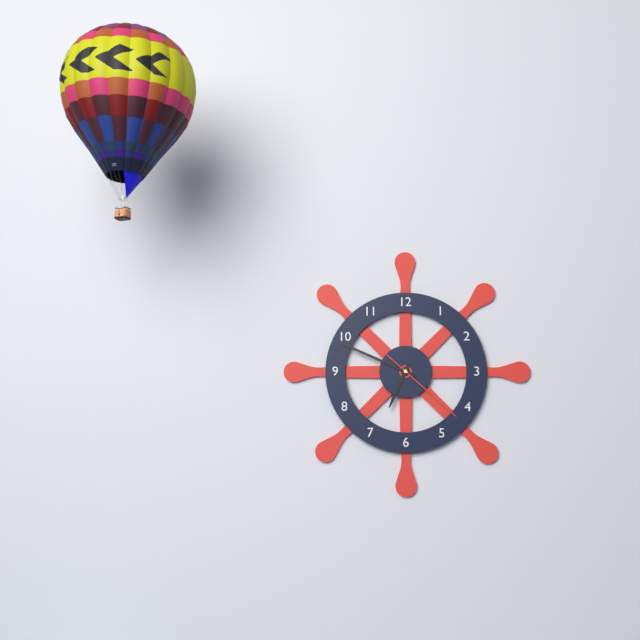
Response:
h=6 m=49 s=22
